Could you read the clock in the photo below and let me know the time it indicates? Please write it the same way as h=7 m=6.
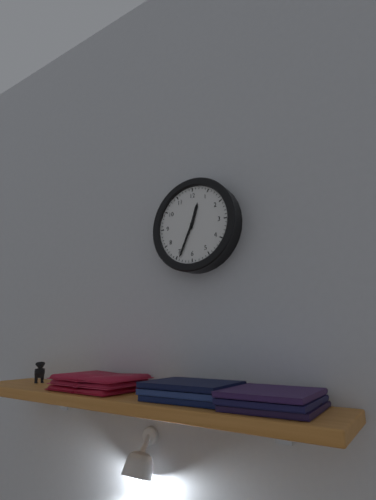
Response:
h=12 m=34
